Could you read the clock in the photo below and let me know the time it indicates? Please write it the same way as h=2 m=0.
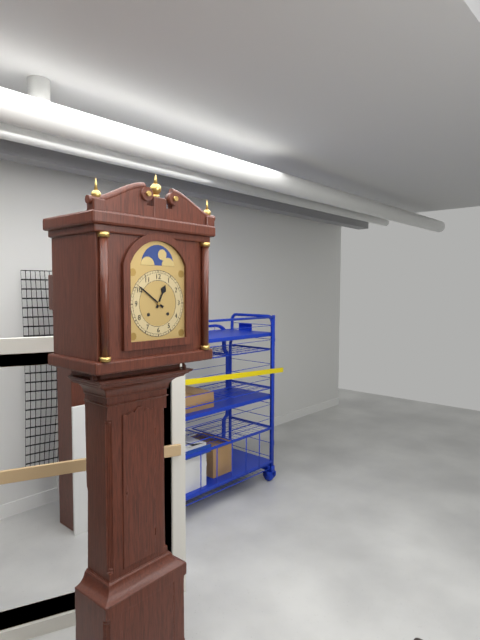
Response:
h=12 m=51
